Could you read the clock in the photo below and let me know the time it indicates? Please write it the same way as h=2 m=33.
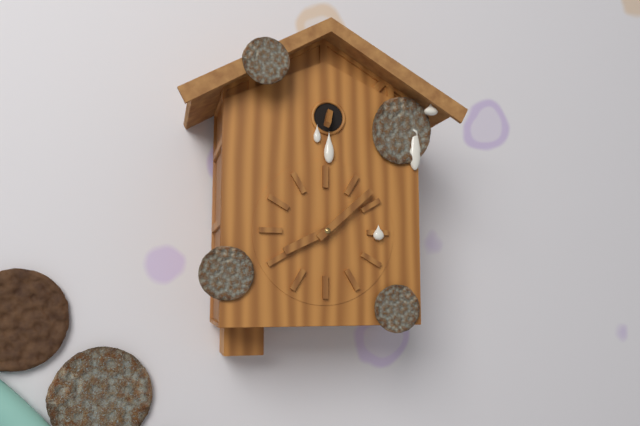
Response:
h=8 m=8
